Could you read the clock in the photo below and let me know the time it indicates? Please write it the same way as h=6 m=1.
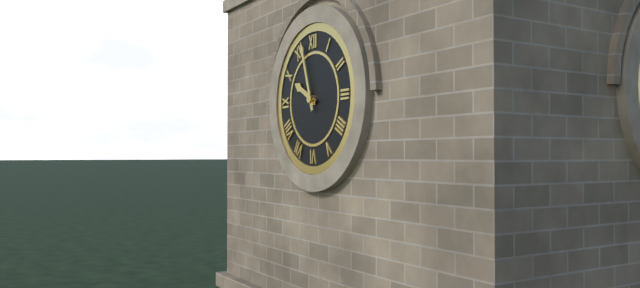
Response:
h=9 m=57
